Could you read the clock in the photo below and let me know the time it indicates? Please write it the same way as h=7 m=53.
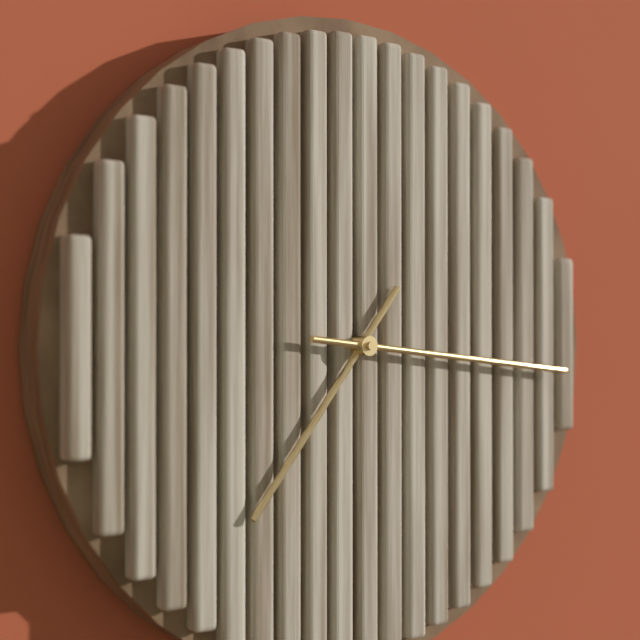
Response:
h=7 m=16
